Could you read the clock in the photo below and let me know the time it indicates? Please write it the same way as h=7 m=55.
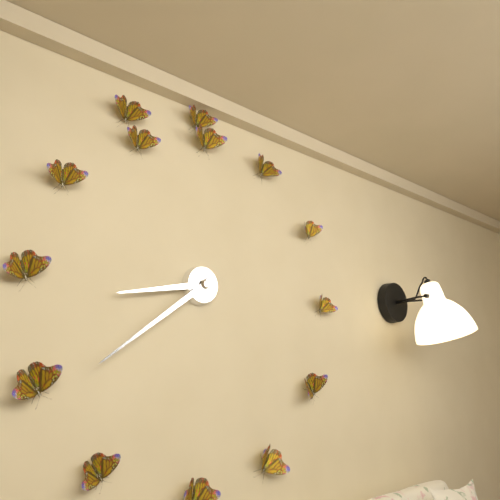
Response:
h=8 m=39
